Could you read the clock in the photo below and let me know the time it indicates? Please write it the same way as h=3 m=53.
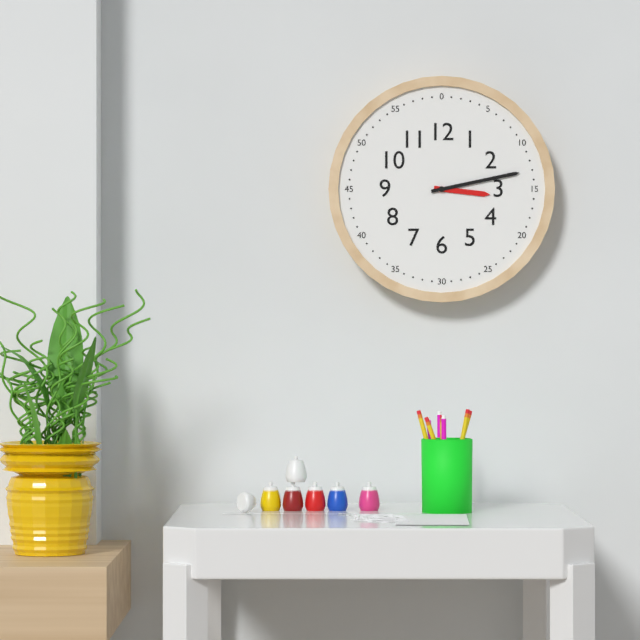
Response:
h=3 m=13
